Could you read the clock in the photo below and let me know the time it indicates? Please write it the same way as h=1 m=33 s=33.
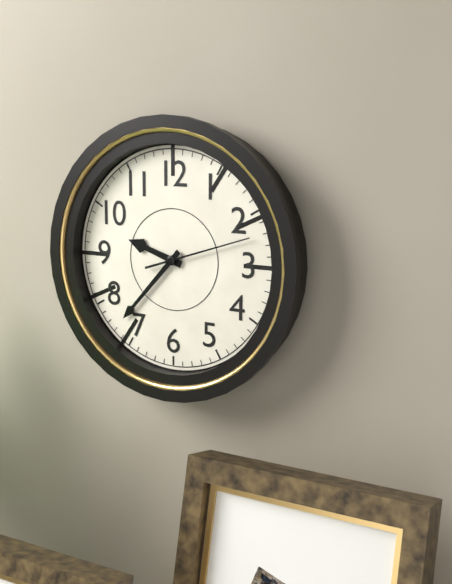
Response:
h=9 m=37 s=12
